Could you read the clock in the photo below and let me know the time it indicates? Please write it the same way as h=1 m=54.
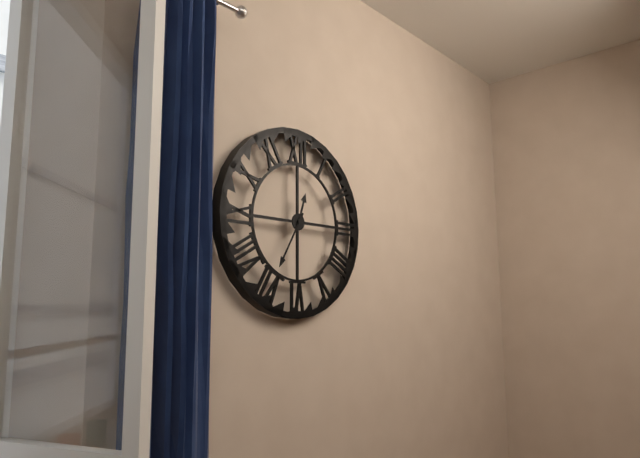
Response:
h=12 m=35
